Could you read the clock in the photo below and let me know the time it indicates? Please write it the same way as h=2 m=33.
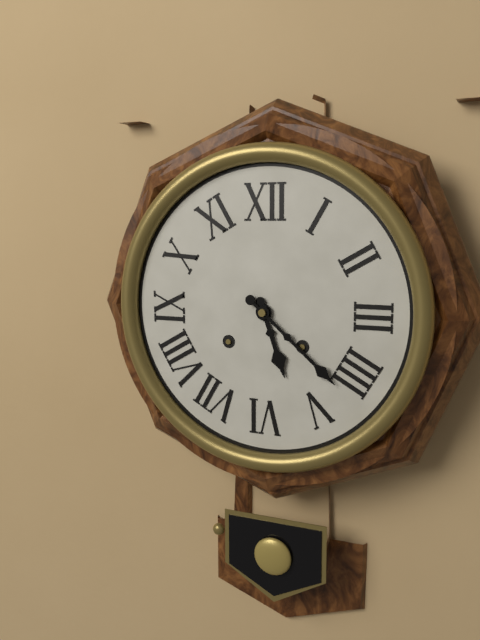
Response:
h=5 m=22
